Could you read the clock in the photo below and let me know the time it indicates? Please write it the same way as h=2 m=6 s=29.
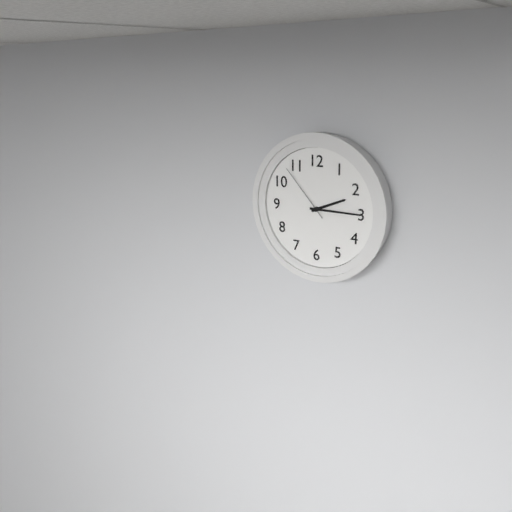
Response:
h=2 m=15 s=53
